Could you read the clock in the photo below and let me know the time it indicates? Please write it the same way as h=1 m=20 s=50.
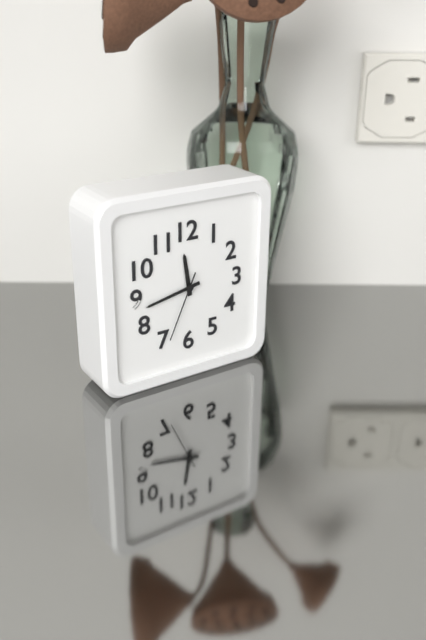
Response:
h=11 m=43 s=34
